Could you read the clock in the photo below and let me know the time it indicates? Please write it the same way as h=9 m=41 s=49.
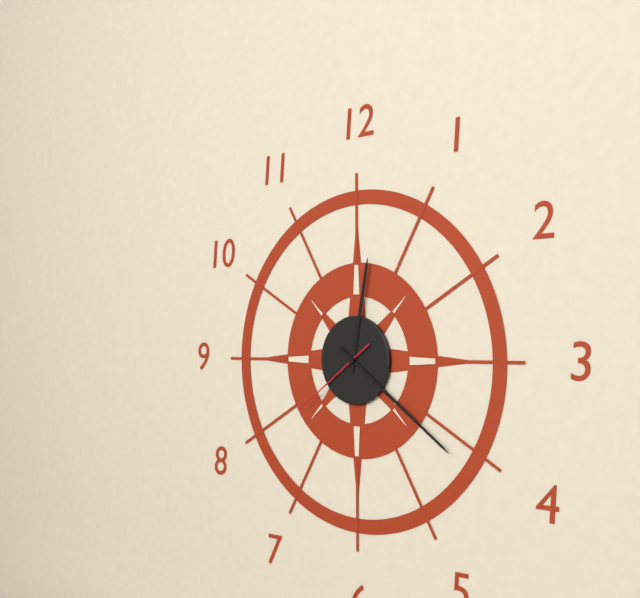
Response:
h=12 m=21 s=39
